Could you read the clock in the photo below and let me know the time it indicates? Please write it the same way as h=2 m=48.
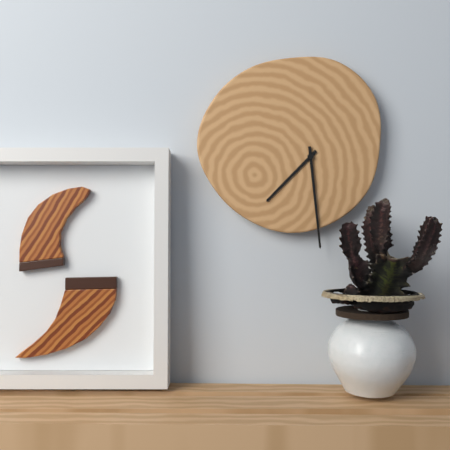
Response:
h=7 m=29
